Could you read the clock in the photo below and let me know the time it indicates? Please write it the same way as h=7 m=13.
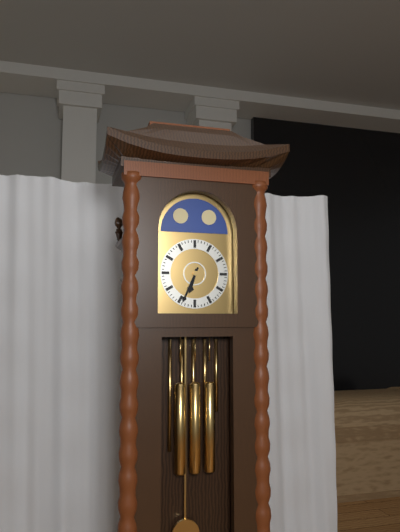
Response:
h=6 m=34
